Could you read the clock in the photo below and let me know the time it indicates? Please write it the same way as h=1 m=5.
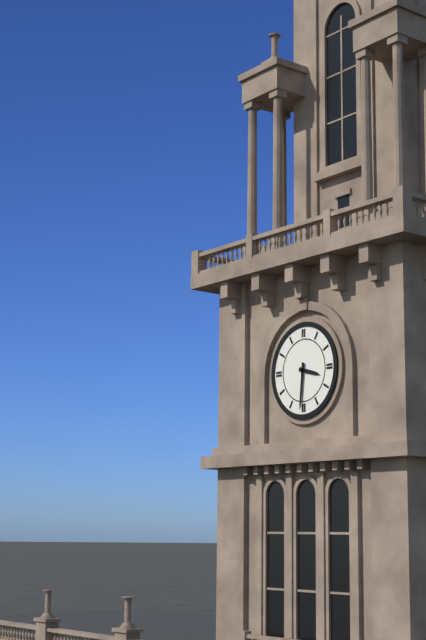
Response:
h=3 m=31
